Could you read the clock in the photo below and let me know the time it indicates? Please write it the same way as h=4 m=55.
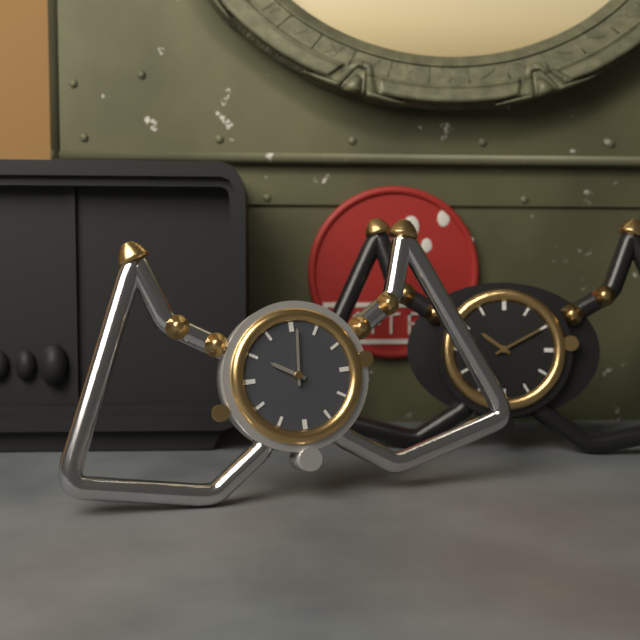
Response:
h=10 m=1
